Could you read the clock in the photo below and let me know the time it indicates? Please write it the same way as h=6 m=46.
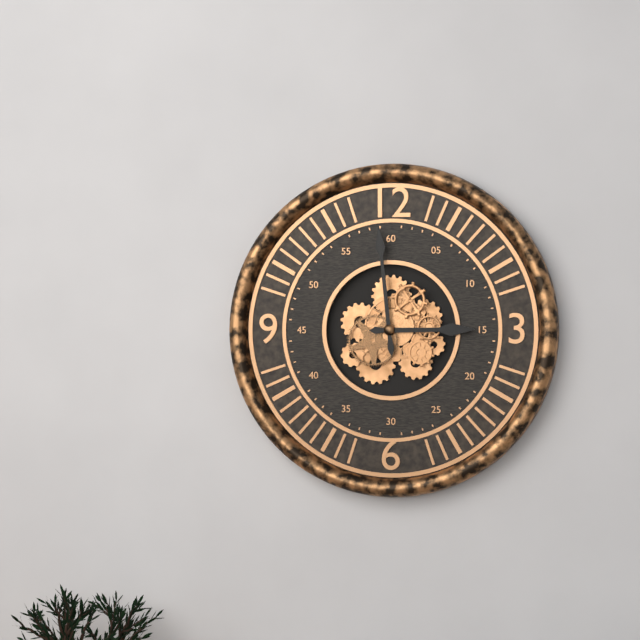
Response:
h=2 m=59
